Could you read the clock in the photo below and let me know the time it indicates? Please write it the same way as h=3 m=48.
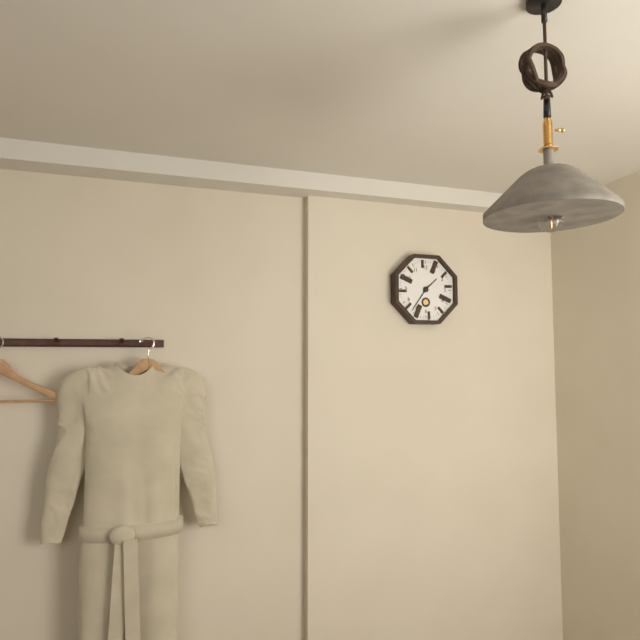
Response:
h=1 m=36
